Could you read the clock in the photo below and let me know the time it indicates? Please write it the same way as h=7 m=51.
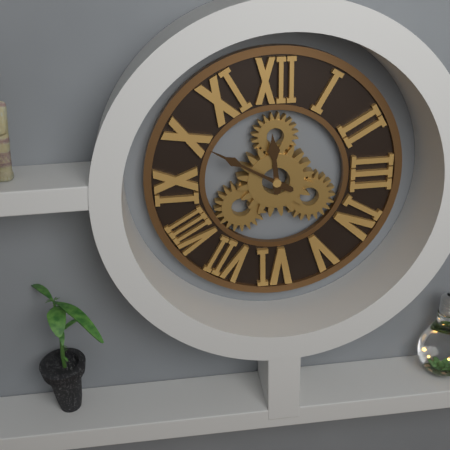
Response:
h=11 m=50
